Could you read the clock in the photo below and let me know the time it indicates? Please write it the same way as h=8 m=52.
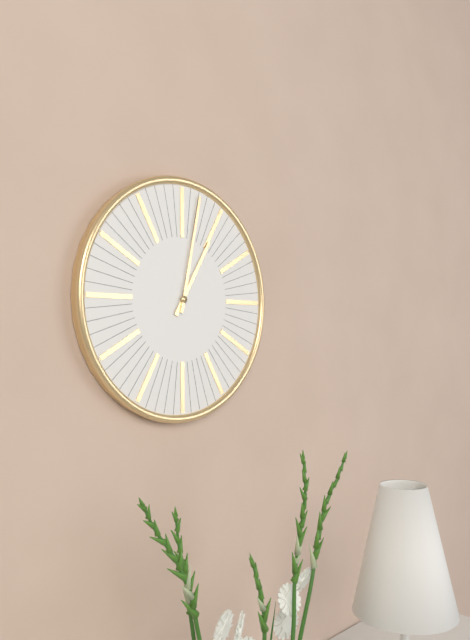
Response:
h=1 m=2
